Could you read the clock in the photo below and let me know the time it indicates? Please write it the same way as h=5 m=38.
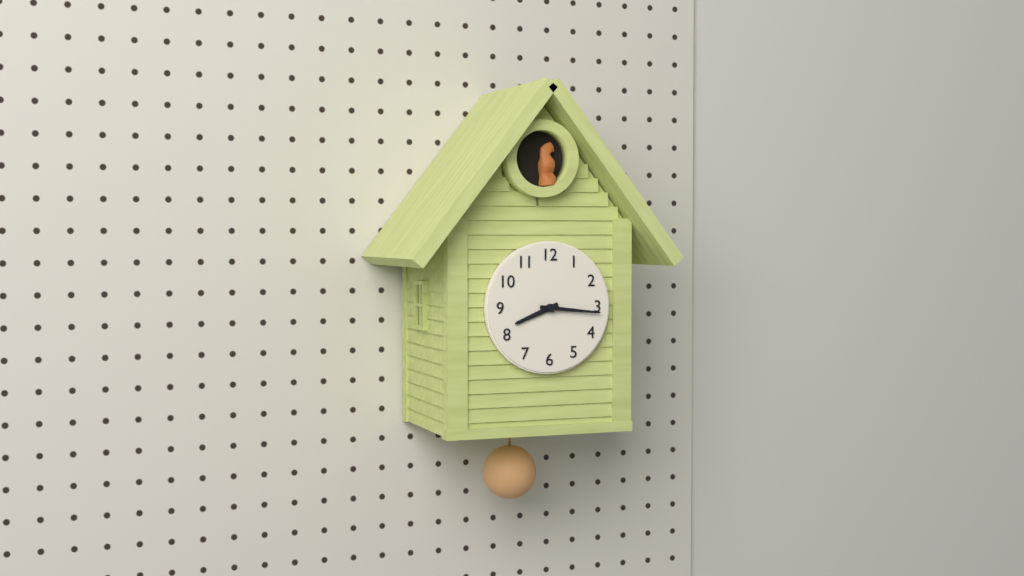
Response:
h=8 m=16
